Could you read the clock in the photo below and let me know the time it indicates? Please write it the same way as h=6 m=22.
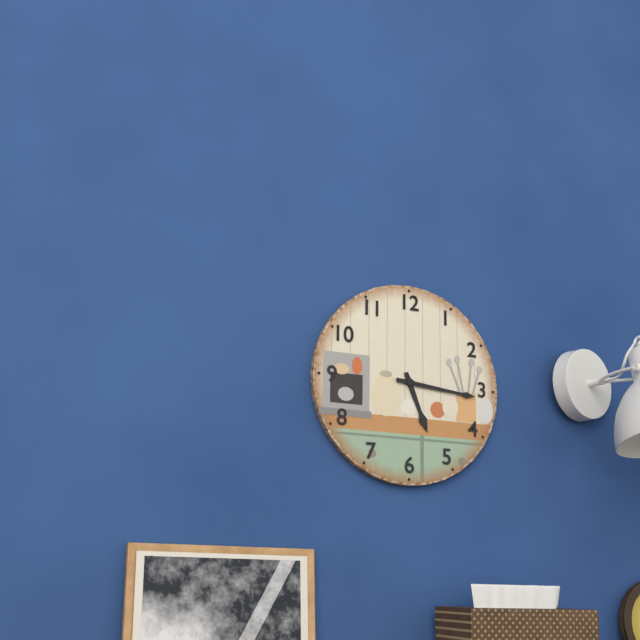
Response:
h=5 m=16
